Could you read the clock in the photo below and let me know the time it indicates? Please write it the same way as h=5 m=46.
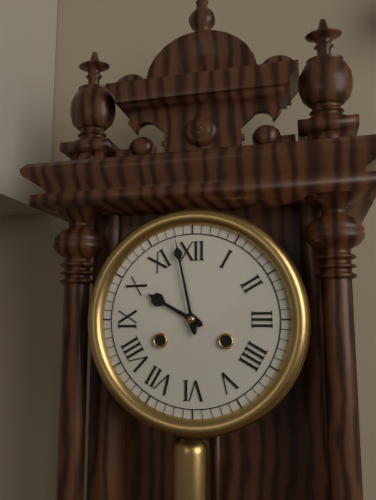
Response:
h=9 m=58
